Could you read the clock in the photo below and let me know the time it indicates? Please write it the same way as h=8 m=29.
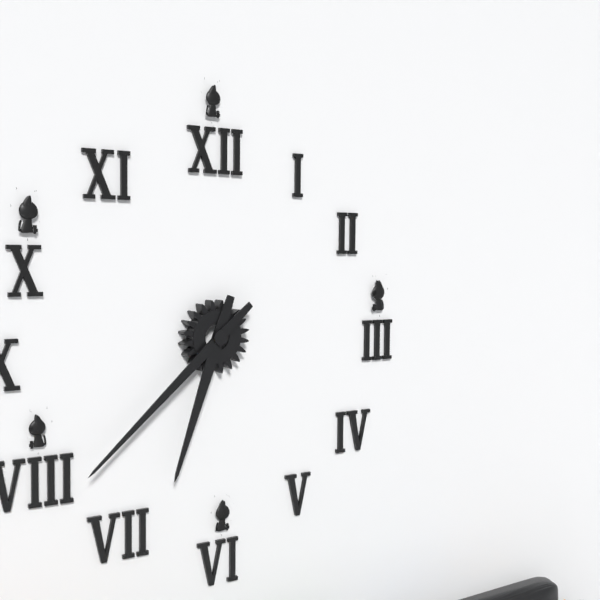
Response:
h=6 m=38
